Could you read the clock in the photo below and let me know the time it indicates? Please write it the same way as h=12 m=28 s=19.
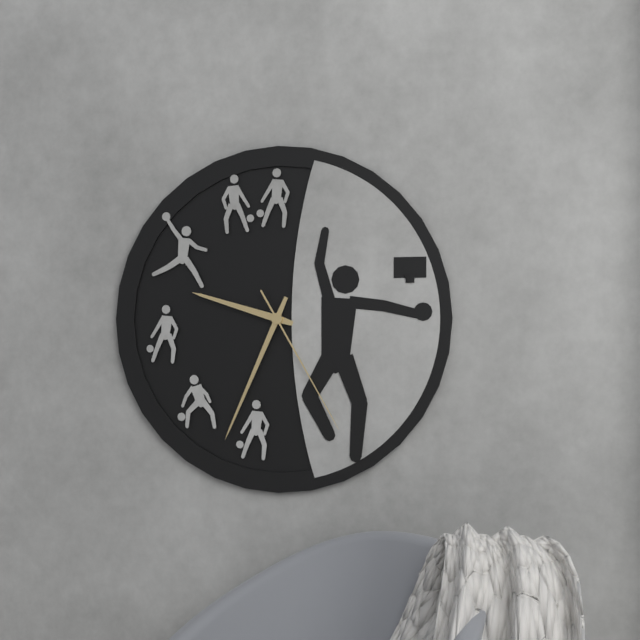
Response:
h=9 m=34 s=25
